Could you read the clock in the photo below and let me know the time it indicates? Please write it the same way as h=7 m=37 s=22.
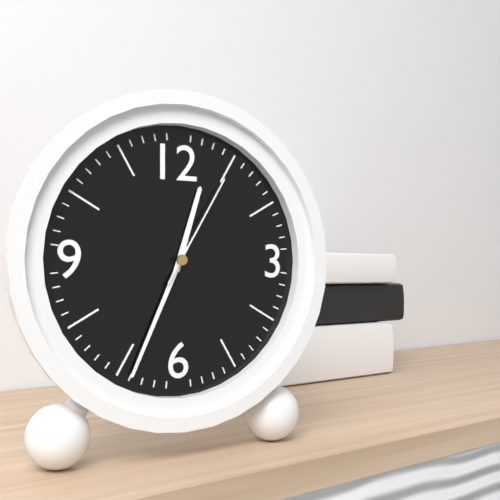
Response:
h=12 m=34 s=5
